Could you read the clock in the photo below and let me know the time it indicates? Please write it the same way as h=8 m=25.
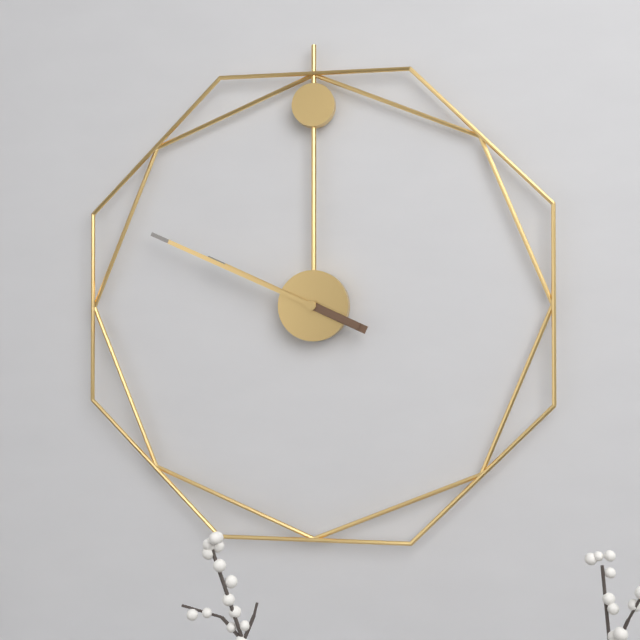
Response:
h=9 m=49
